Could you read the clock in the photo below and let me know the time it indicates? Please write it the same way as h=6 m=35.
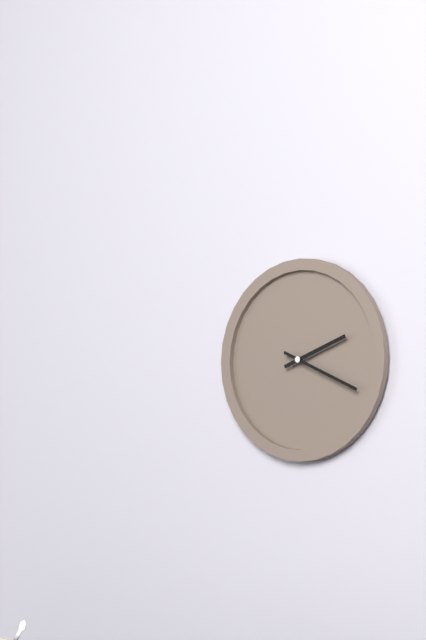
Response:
h=2 m=19
